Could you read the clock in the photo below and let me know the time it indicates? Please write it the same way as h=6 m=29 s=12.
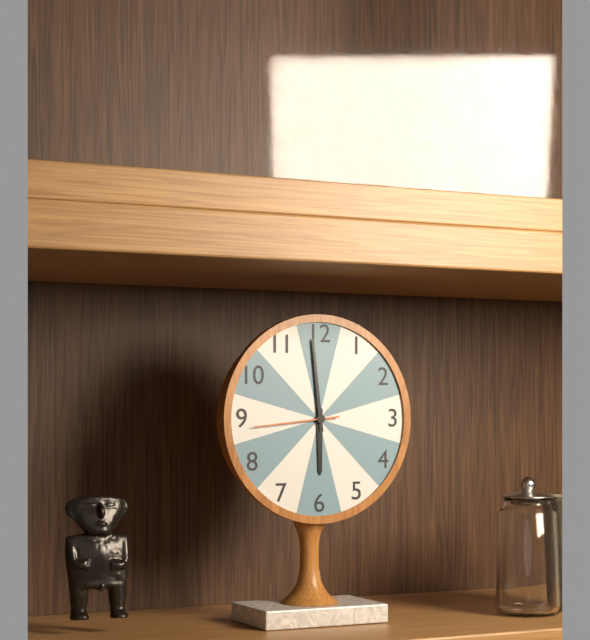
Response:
h=5 m=59 s=44
